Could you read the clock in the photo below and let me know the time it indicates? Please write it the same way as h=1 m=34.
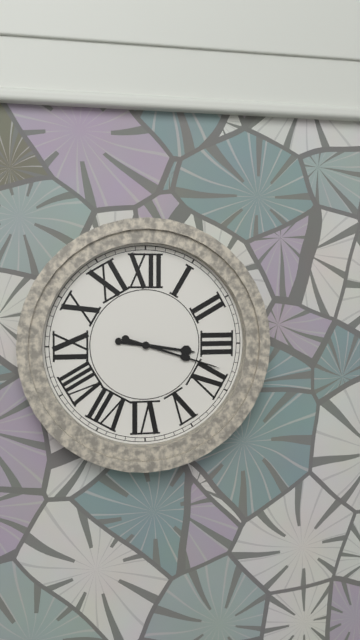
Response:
h=3 m=18
